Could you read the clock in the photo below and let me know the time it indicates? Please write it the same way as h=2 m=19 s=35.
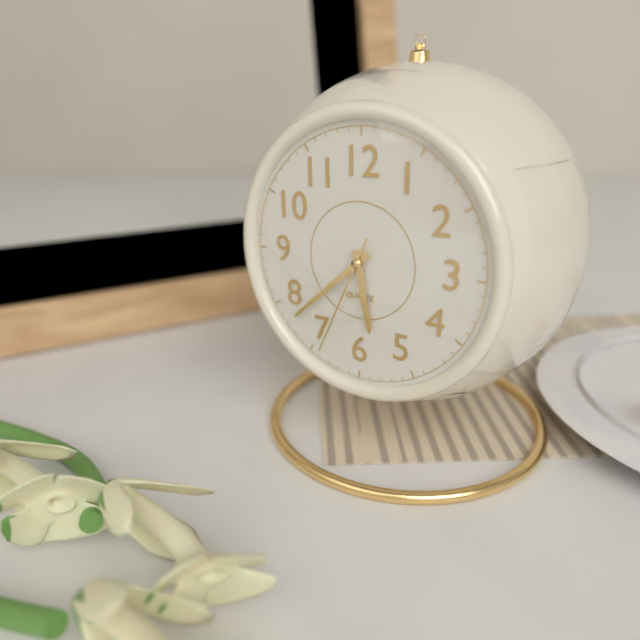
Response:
h=5 m=38 s=34
